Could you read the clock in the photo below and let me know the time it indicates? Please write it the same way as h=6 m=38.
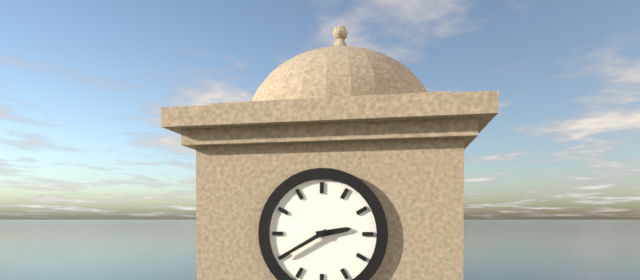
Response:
h=2 m=40
